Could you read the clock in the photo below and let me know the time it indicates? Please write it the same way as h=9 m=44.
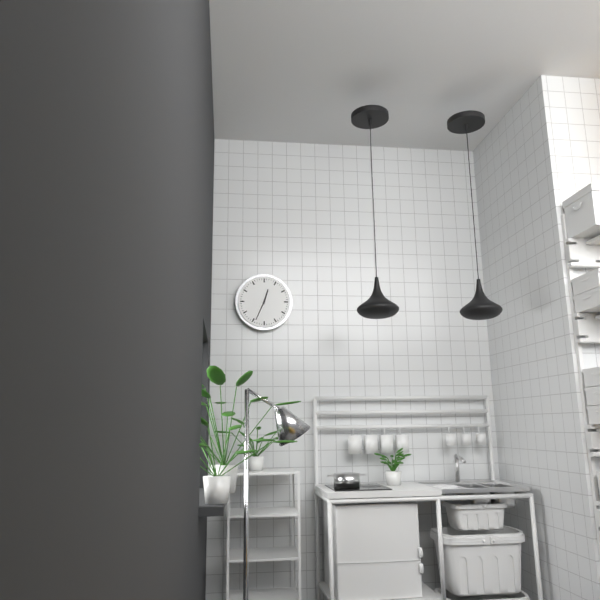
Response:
h=12 m=34
